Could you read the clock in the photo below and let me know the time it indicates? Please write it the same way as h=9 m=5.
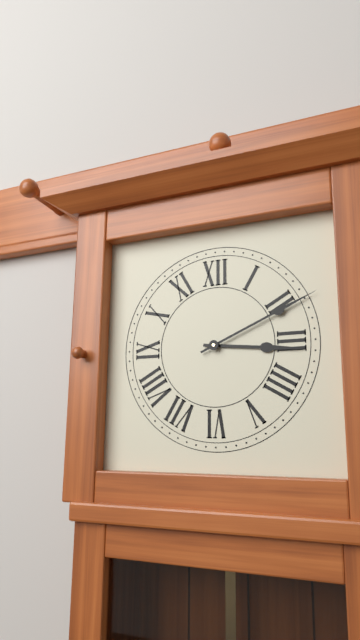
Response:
h=3 m=11
